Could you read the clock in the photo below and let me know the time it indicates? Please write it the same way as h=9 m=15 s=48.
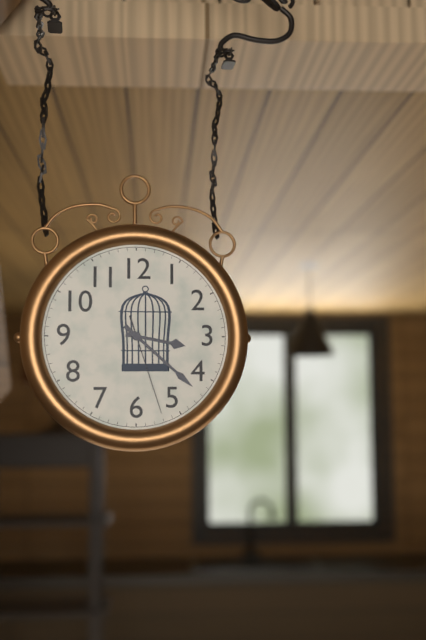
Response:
h=3 m=22 s=27
